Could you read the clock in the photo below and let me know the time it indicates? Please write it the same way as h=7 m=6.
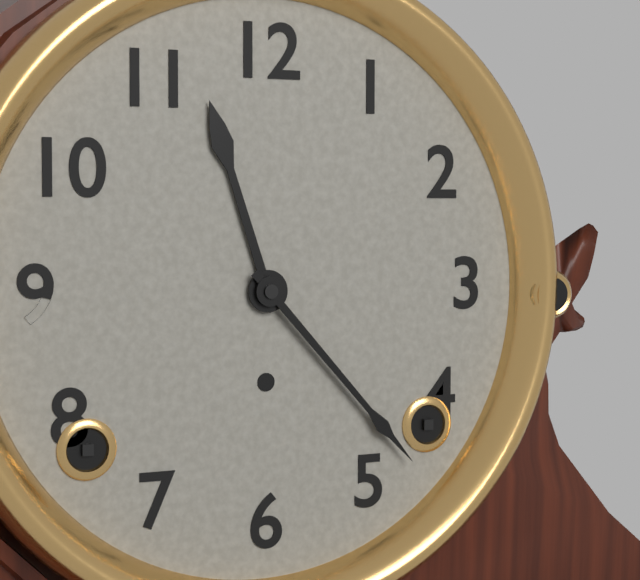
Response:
h=11 m=23
